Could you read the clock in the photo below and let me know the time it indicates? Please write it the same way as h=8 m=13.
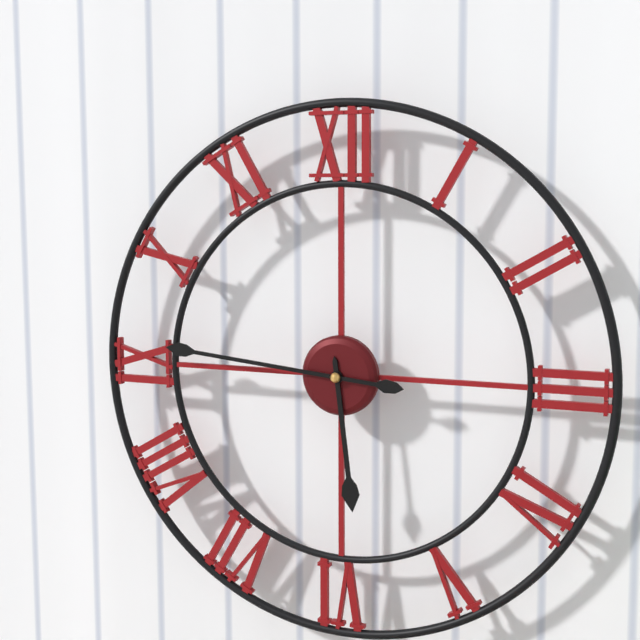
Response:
h=5 m=46
